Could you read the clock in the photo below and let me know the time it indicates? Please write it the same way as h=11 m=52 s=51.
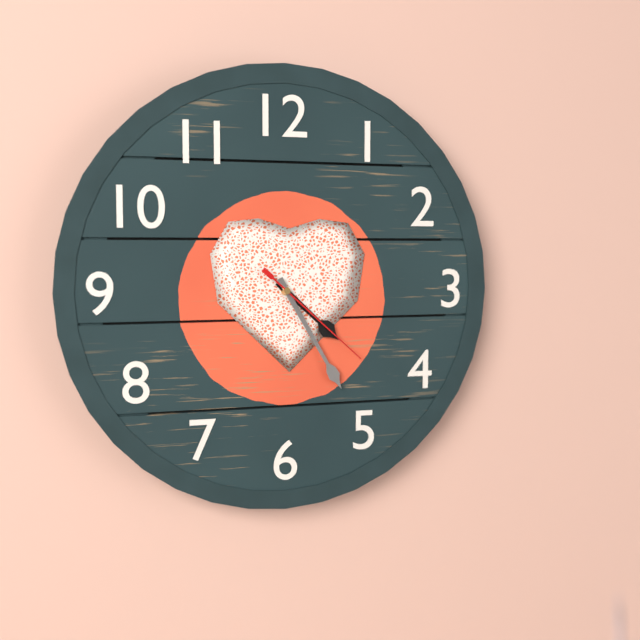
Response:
h=4 m=25 s=22
